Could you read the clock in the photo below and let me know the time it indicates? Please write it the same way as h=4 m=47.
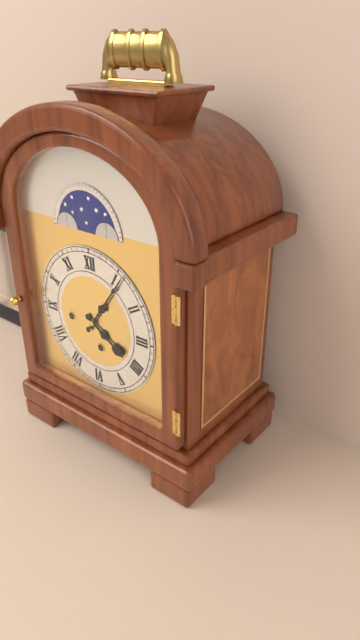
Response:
h=4 m=6
